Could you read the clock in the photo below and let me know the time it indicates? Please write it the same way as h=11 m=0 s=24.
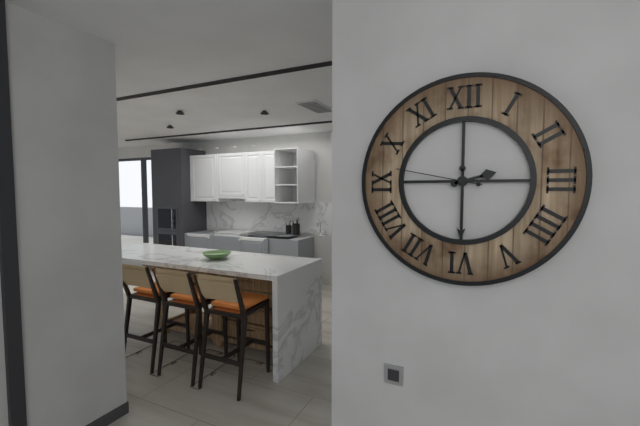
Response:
h=2 m=30 s=47
